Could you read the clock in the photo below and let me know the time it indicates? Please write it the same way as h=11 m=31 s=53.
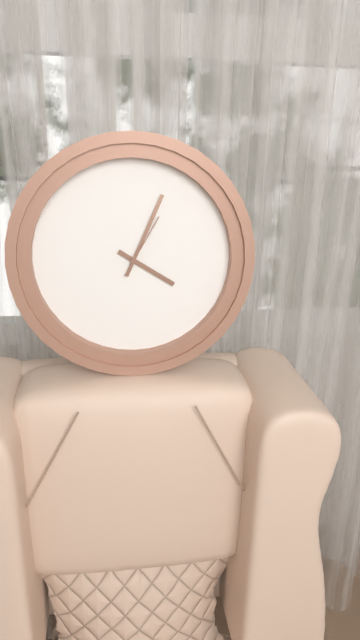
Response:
h=4 m=4 s=5
